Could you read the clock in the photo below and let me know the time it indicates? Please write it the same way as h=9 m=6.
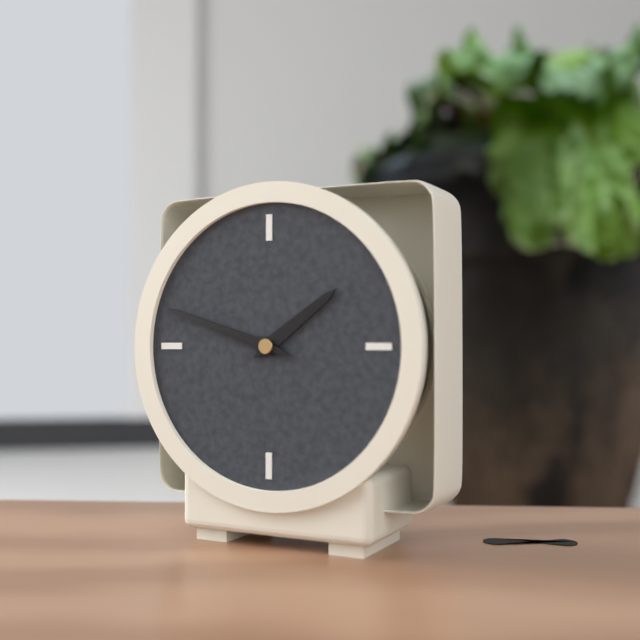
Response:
h=1 m=48
